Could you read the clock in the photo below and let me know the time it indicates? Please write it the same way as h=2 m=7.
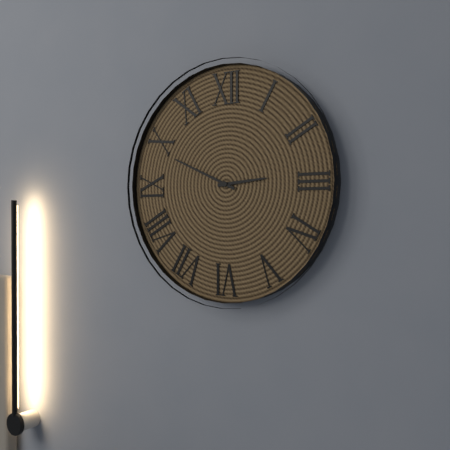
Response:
h=2 m=49
